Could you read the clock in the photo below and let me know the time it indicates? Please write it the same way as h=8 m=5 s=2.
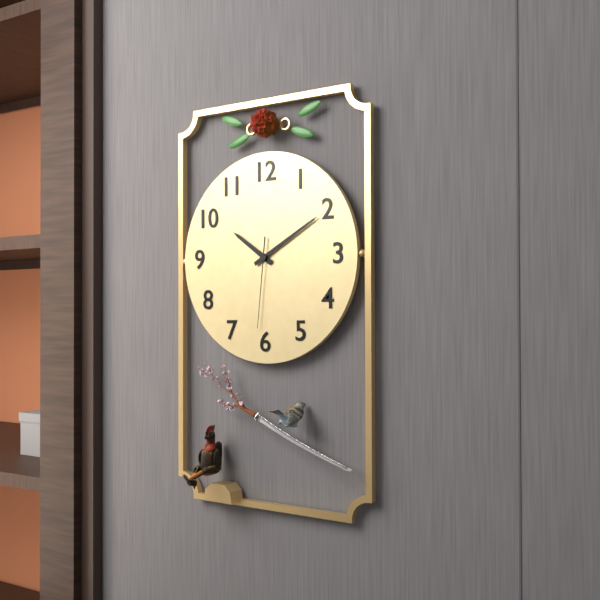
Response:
h=10 m=10 s=31
